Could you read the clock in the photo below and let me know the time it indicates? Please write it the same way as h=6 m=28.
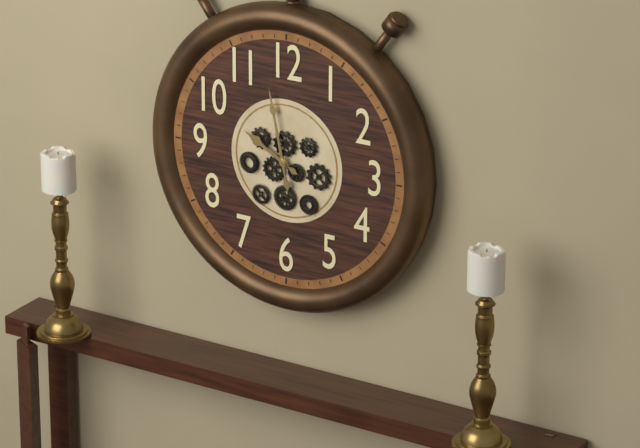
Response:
h=9 m=58
